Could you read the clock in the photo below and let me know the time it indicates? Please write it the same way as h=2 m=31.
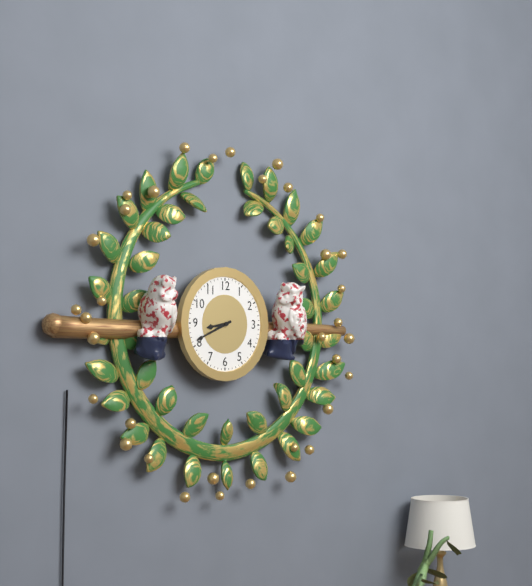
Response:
h=8 m=41
